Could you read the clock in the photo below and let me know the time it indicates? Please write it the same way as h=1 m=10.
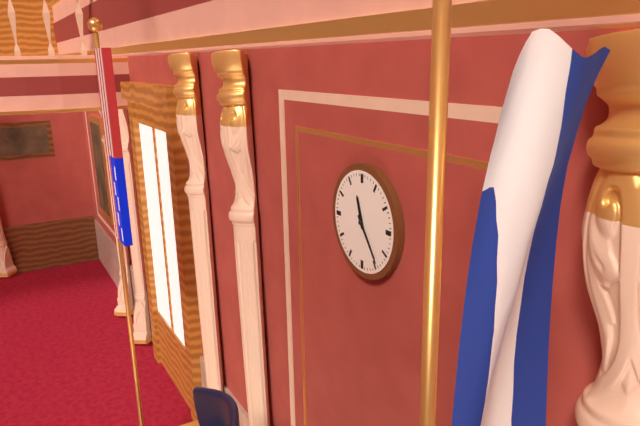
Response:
h=11 m=24
